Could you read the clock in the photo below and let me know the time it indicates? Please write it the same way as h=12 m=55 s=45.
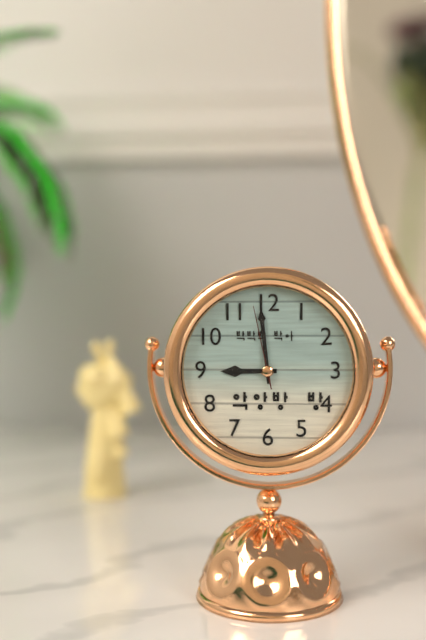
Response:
h=8 m=59 s=58
